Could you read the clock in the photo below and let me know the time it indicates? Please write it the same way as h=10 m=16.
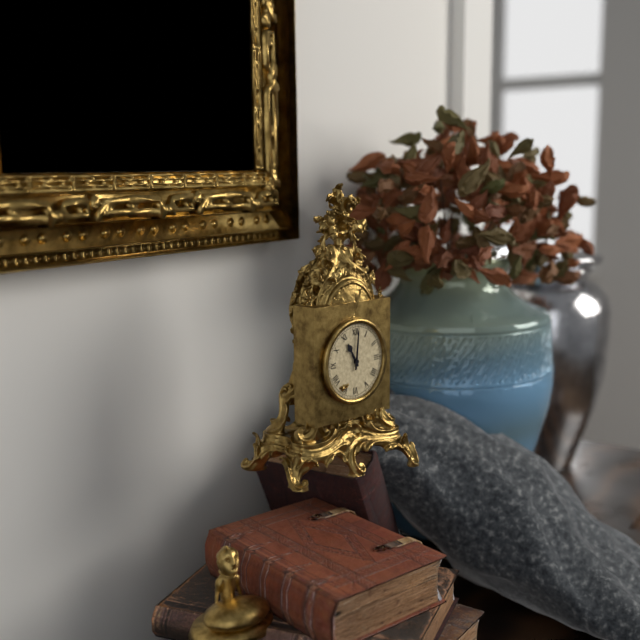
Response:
h=11 m=1
